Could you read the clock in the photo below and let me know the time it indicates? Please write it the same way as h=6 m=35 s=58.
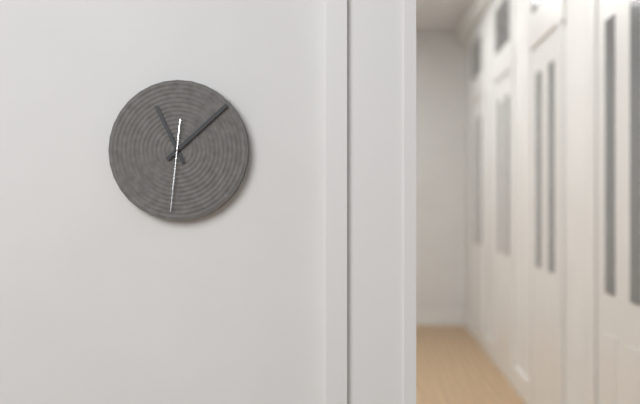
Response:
h=11 m=8 s=31
